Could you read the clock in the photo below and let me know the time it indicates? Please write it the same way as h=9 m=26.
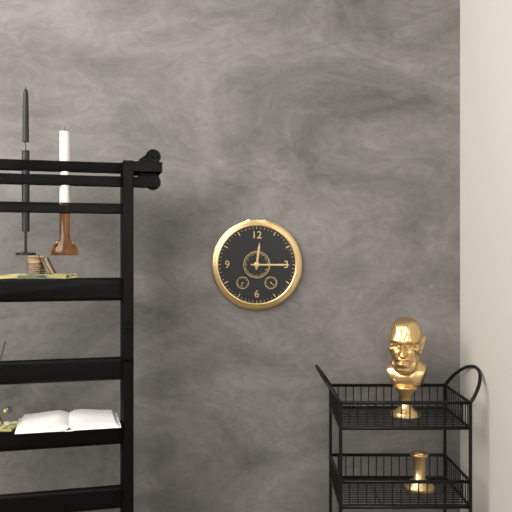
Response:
h=12 m=15
